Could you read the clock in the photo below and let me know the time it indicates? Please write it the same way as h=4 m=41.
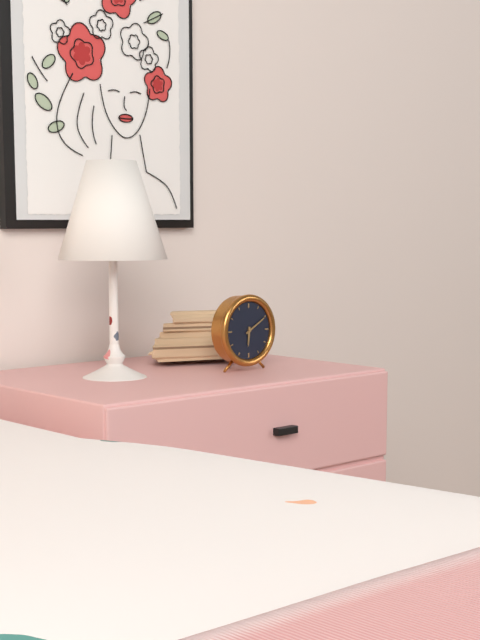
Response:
h=6 m=10
